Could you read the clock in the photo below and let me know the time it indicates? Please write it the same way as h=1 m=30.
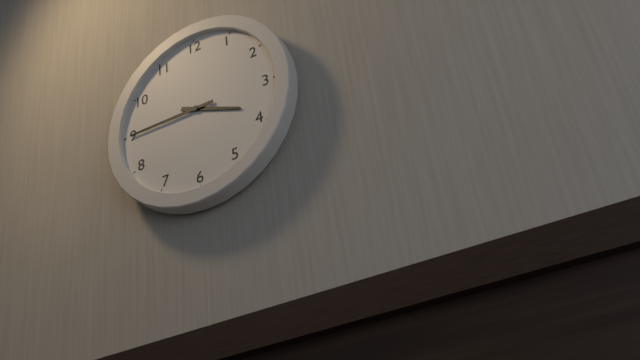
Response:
h=3 m=45
